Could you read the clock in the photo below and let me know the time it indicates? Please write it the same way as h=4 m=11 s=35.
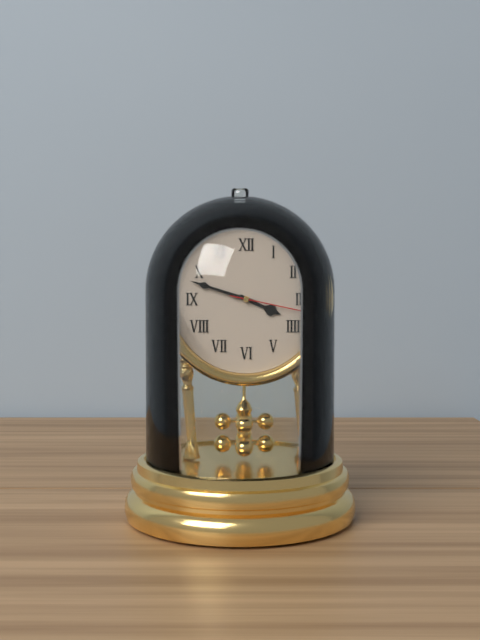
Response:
h=3 m=48 s=17
